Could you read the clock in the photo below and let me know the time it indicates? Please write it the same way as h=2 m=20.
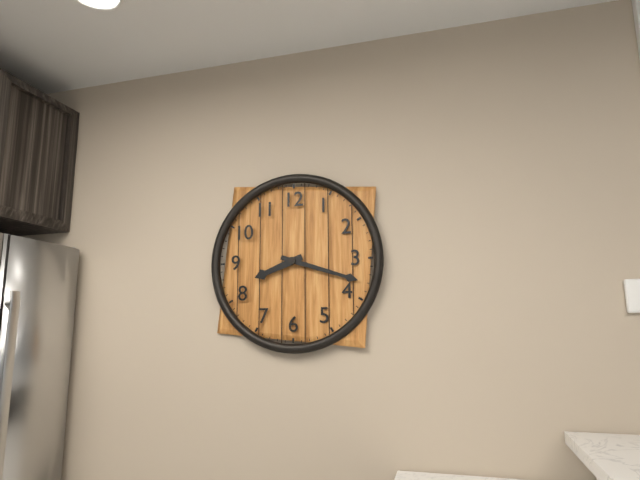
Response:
h=8 m=18
